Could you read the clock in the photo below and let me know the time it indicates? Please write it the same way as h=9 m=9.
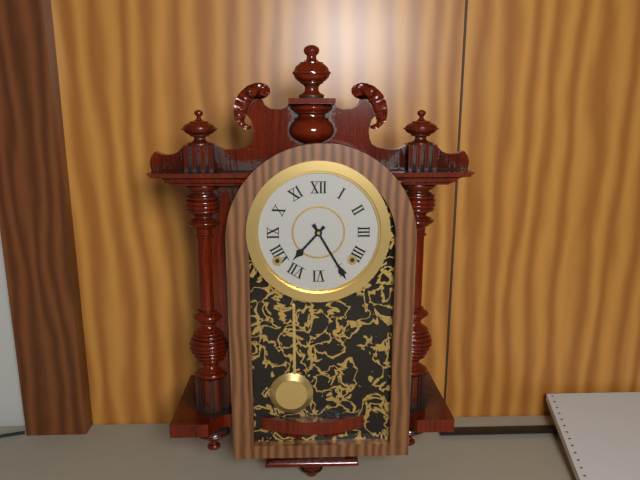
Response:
h=7 m=25
